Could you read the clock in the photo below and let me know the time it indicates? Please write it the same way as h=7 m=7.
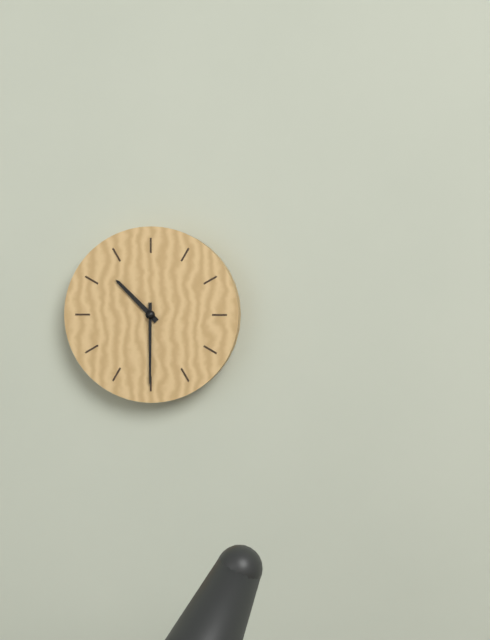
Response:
h=10 m=30
